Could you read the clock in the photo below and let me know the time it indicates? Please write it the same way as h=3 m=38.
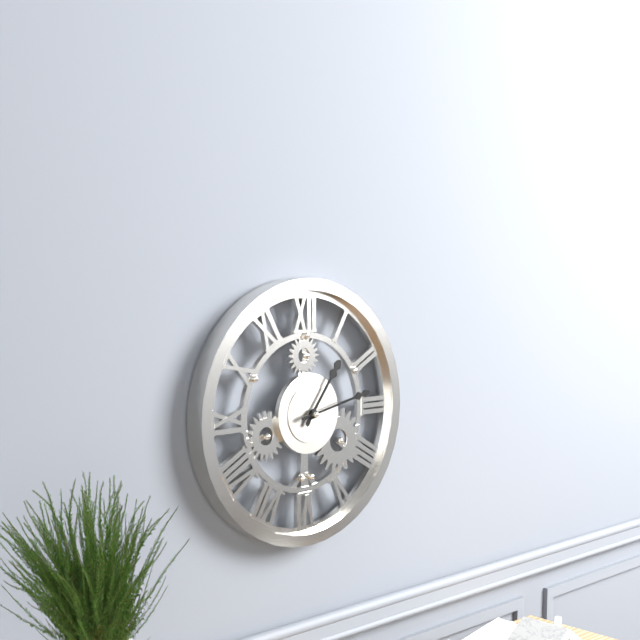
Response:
h=1 m=13
